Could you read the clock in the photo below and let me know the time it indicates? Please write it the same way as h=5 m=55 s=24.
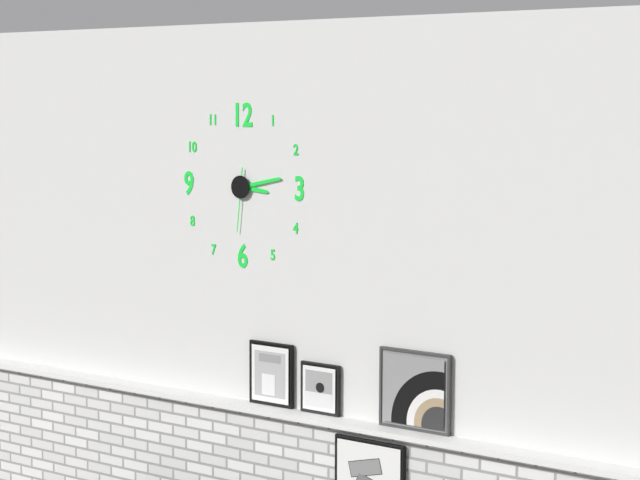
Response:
h=3 m=13 s=31
